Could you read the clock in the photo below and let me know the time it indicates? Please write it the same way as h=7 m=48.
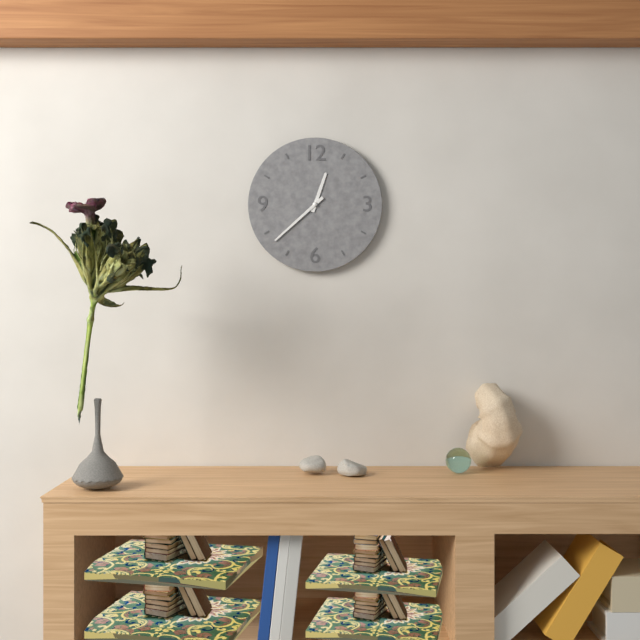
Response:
h=12 m=38
